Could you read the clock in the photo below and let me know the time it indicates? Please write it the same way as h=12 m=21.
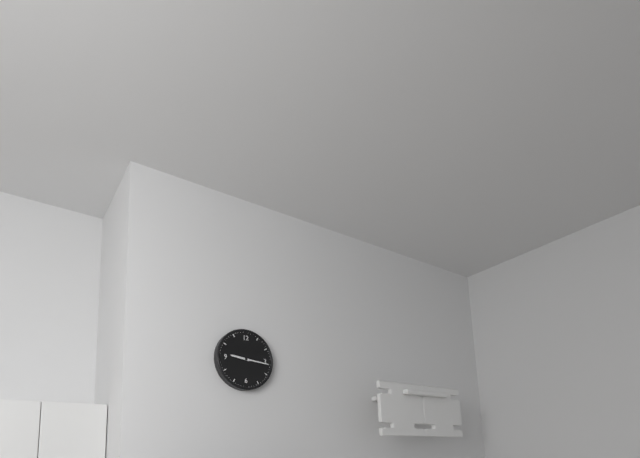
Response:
h=9 m=16
